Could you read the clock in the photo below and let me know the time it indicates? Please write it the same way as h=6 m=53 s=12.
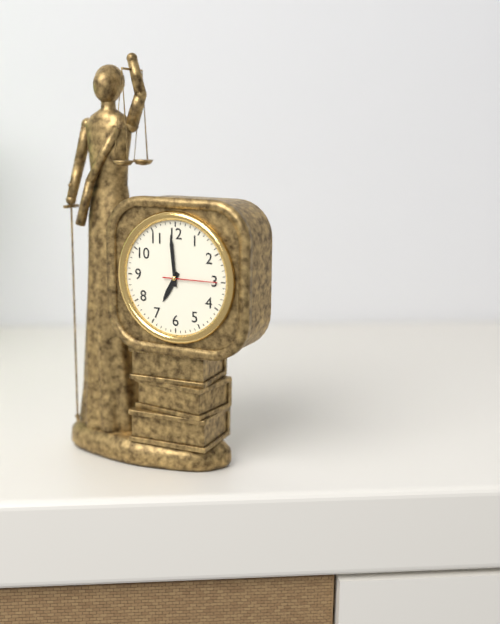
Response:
h=6 m=59 s=15
